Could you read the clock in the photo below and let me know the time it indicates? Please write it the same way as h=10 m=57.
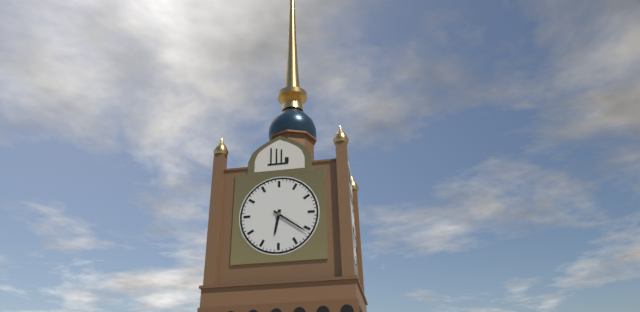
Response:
h=6 m=21
